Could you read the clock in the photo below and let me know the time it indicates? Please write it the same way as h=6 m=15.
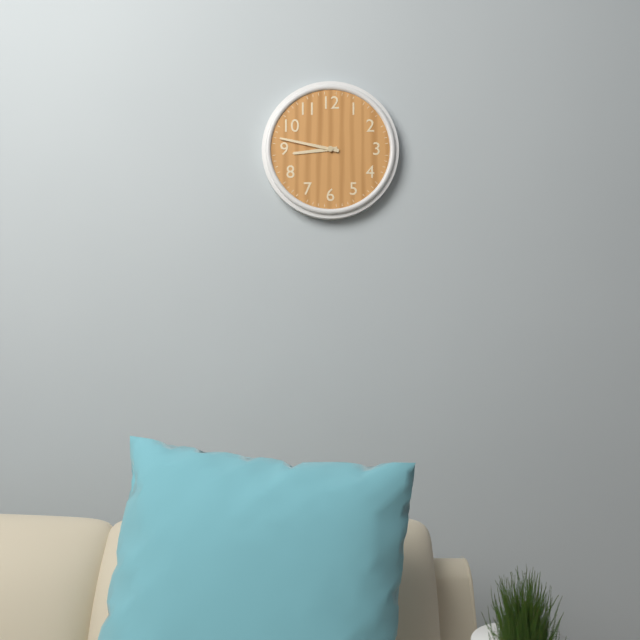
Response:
h=8 m=47
